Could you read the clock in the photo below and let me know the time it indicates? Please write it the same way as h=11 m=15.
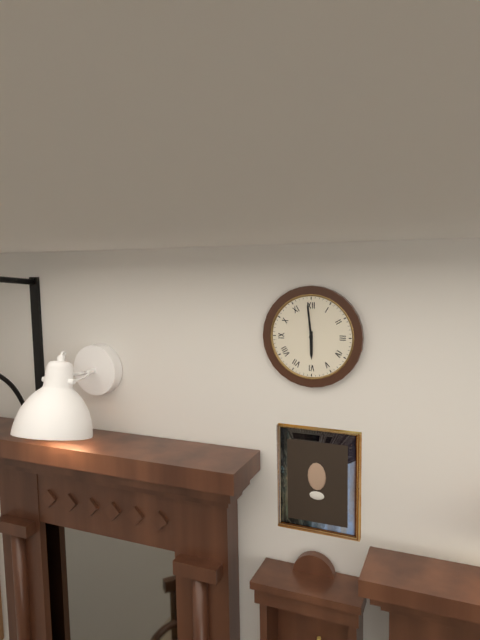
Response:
h=5 m=59
